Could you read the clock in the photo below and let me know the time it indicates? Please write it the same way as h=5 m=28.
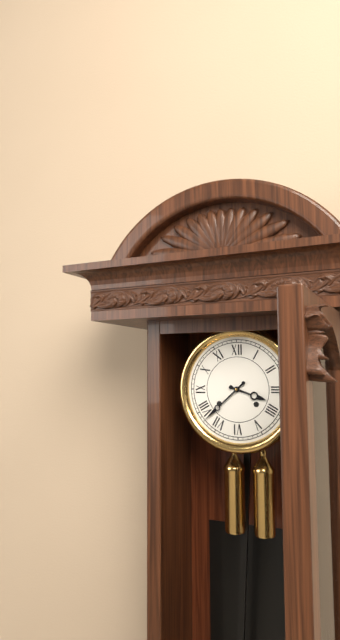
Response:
h=3 m=38
